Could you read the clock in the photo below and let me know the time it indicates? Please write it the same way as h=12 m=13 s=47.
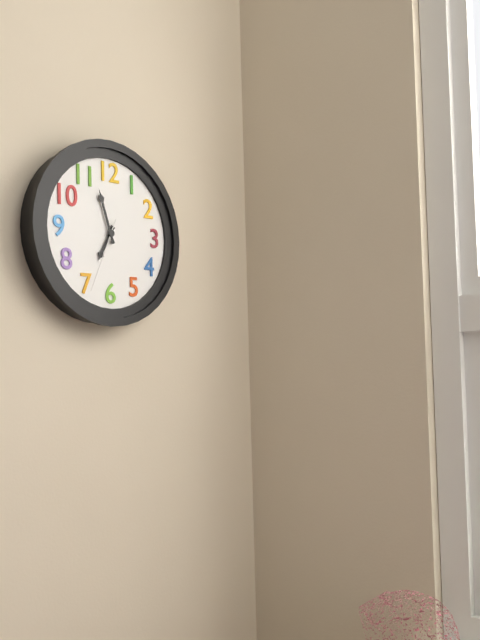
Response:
h=6 m=57 s=34
